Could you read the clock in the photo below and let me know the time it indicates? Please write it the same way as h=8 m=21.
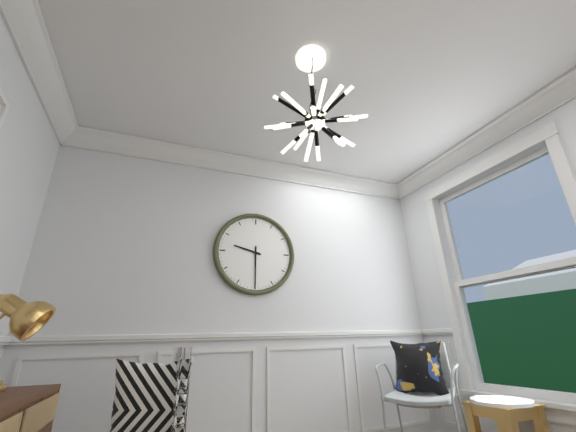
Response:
h=9 m=30
